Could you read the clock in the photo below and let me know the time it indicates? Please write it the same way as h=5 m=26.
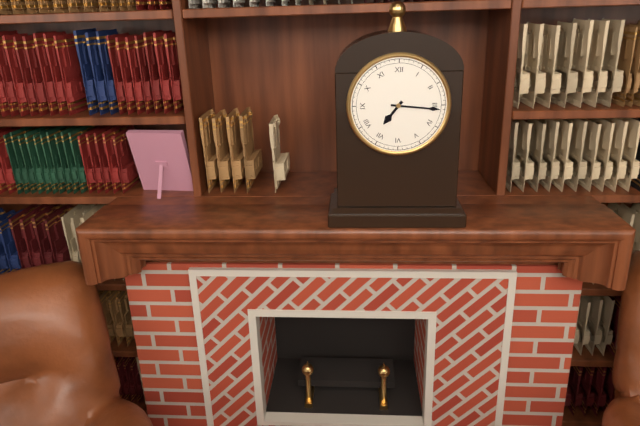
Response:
h=7 m=16
